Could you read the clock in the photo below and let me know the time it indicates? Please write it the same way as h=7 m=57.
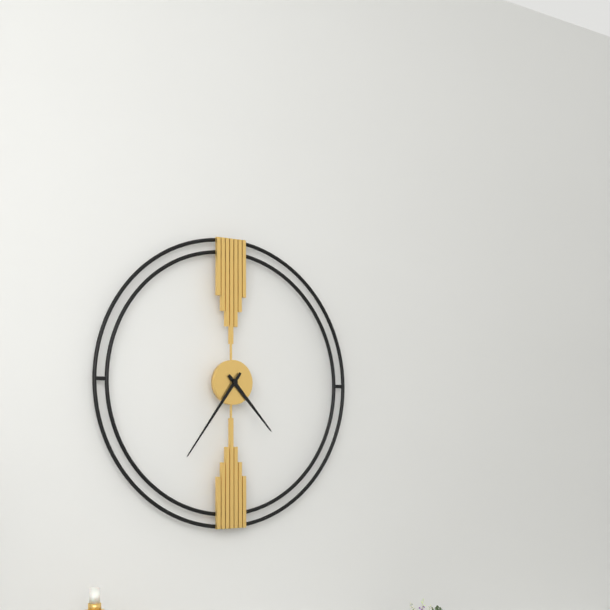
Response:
h=4 m=36
